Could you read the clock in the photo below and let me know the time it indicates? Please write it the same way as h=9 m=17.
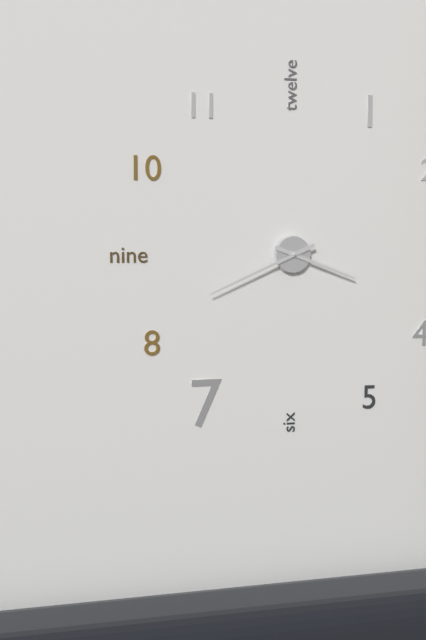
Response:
h=3 m=41
